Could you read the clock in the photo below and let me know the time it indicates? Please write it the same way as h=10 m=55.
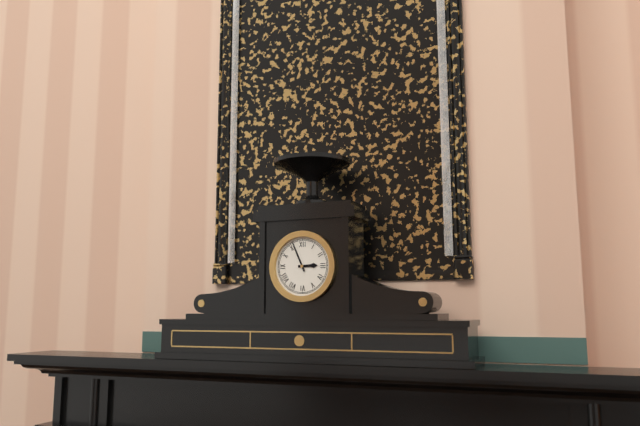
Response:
h=2 m=56
